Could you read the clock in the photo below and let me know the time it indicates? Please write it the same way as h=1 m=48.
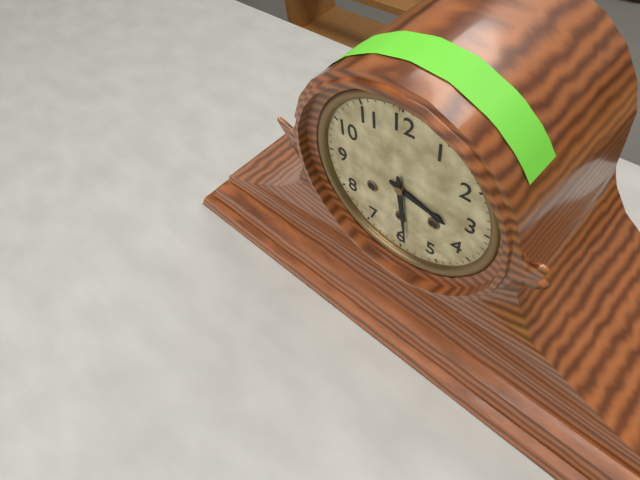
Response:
h=3 m=29
